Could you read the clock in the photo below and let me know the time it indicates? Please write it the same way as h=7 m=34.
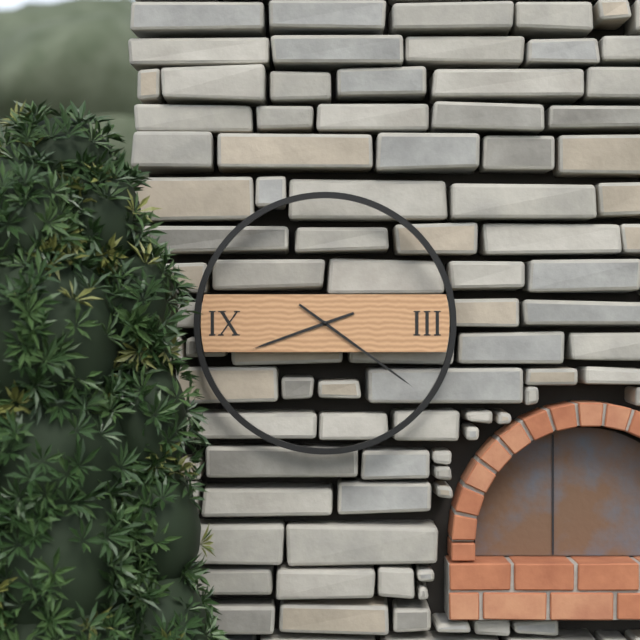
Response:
h=8 m=21
